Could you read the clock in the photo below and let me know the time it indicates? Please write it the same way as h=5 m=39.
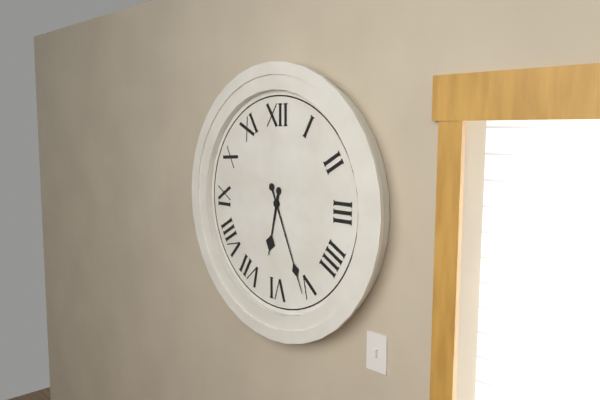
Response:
h=6 m=26
